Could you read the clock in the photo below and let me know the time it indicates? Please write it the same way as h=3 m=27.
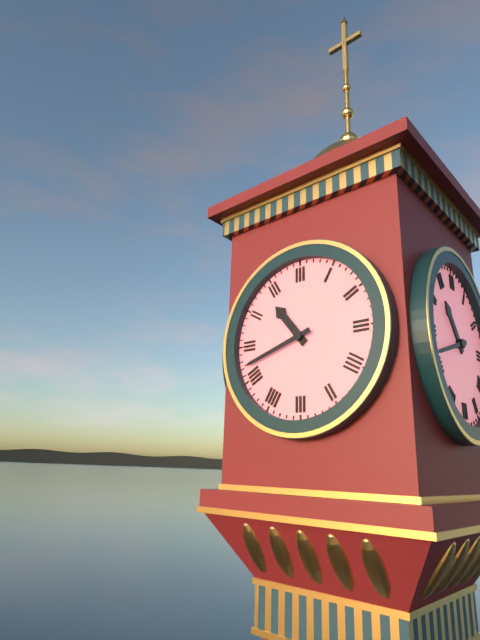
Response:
h=10 m=42
